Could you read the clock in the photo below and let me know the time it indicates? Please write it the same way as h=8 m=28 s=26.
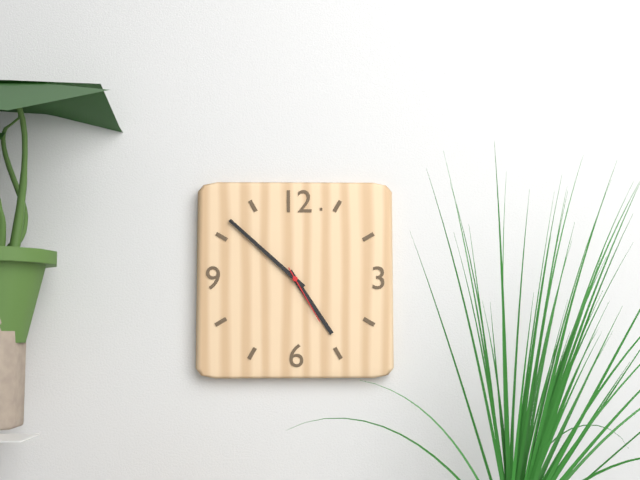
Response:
h=4 m=52 s=25
